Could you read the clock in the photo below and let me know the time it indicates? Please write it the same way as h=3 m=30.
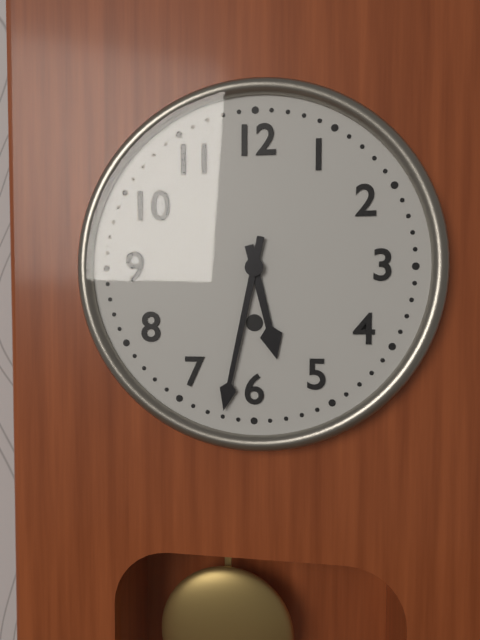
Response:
h=5 m=32
